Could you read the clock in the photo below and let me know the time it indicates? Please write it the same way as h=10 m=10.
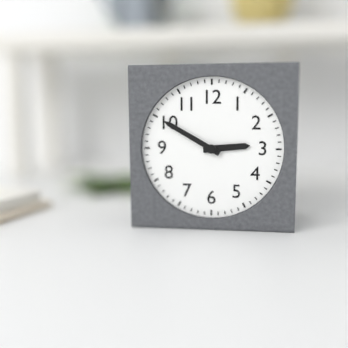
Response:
h=2 m=50
